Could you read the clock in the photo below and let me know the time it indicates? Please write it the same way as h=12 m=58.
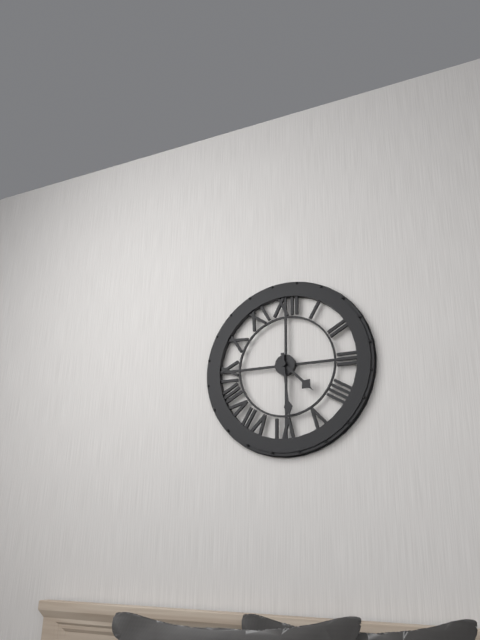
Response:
h=4 m=29
